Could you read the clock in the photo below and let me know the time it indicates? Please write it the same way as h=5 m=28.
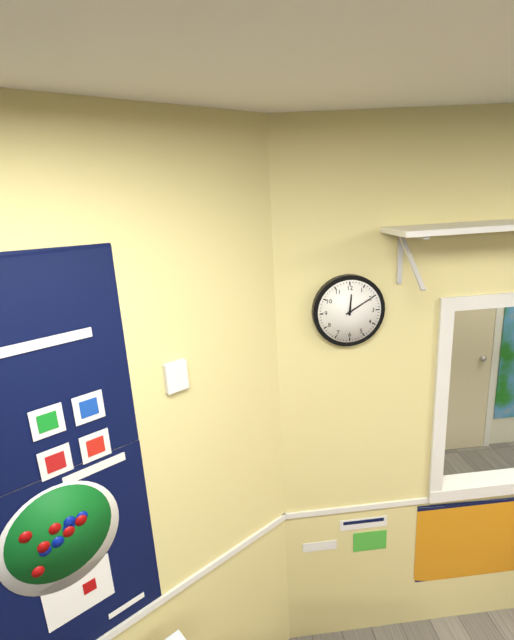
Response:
h=12 m=10
